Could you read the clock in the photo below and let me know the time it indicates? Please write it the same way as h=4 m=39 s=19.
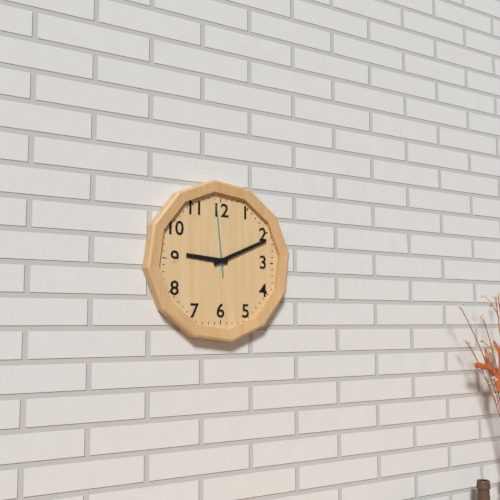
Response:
h=9 m=11 s=59
